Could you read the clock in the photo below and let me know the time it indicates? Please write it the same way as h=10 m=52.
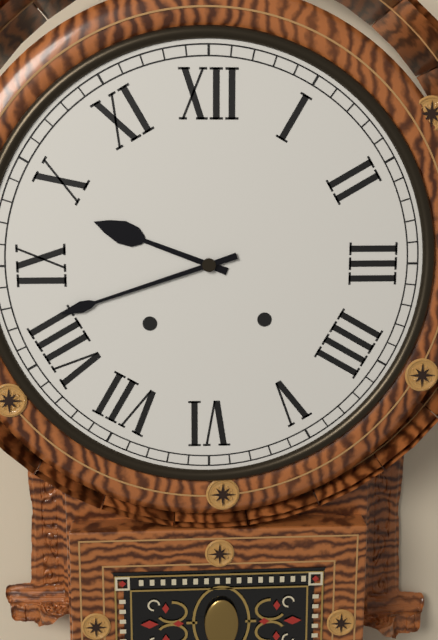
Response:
h=9 m=42
